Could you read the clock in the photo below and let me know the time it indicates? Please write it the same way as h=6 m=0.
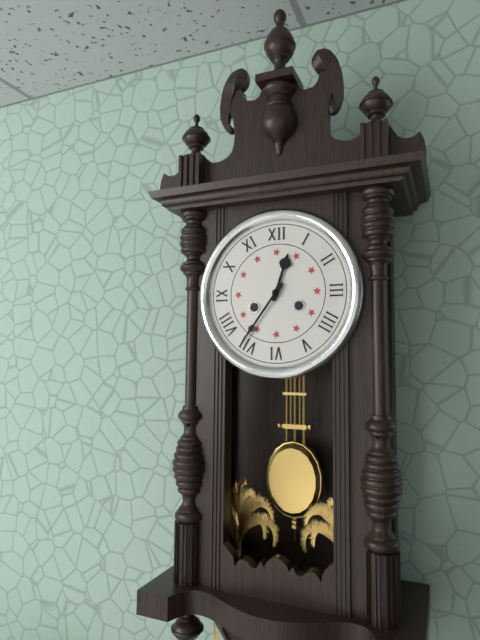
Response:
h=12 m=36
